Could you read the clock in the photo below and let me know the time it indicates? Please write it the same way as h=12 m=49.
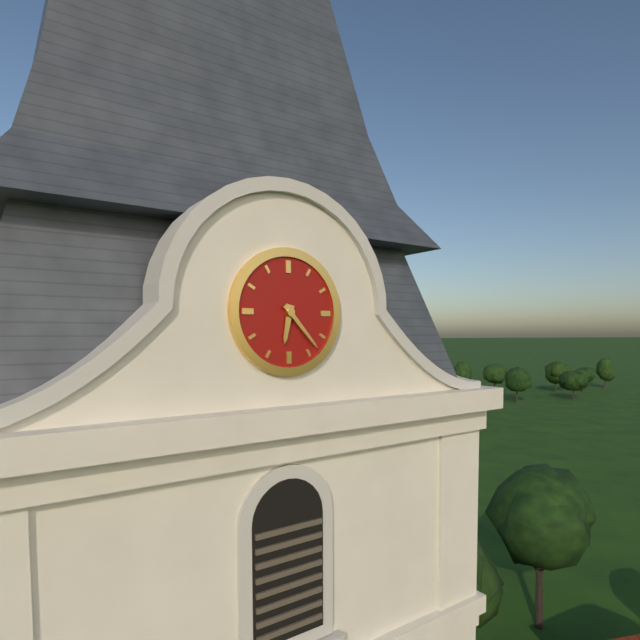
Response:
h=6 m=23
